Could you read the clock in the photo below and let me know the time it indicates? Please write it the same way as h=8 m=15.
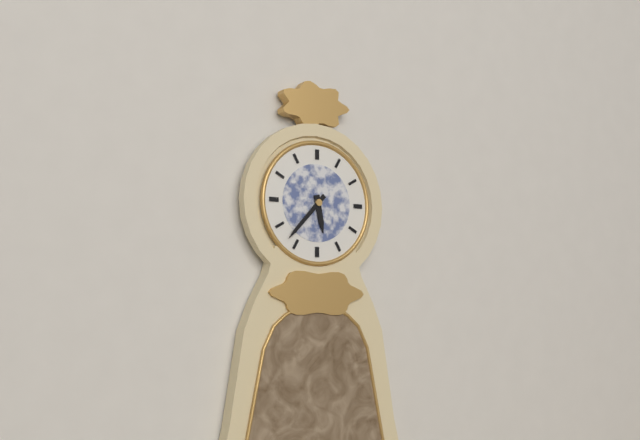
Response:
h=5 m=37
